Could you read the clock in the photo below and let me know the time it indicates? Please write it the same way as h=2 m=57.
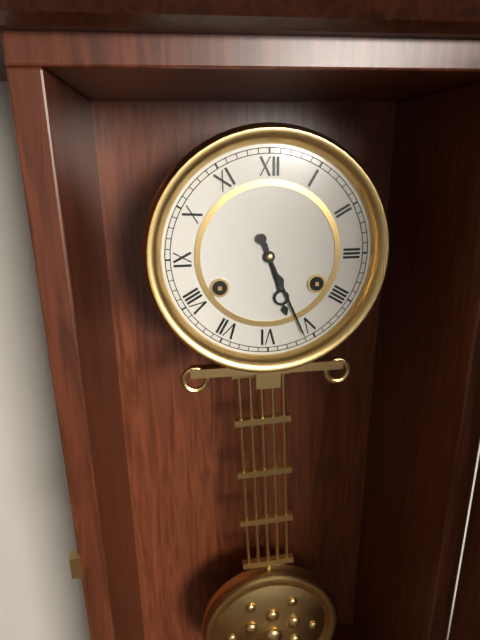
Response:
h=5 m=26
